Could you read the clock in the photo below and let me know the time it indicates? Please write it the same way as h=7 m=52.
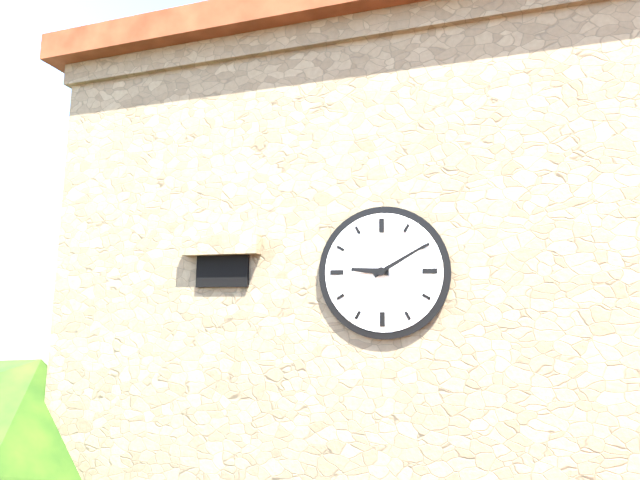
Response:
h=9 m=10
